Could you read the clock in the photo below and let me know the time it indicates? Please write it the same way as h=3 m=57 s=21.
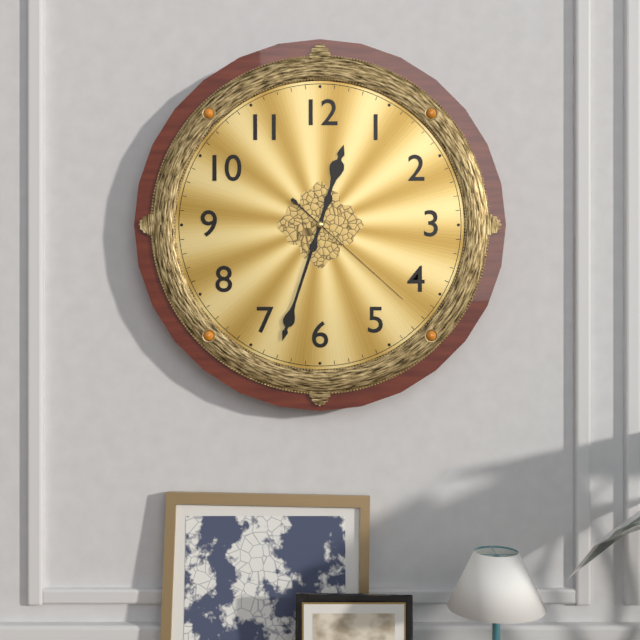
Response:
h=12 m=33 s=22
